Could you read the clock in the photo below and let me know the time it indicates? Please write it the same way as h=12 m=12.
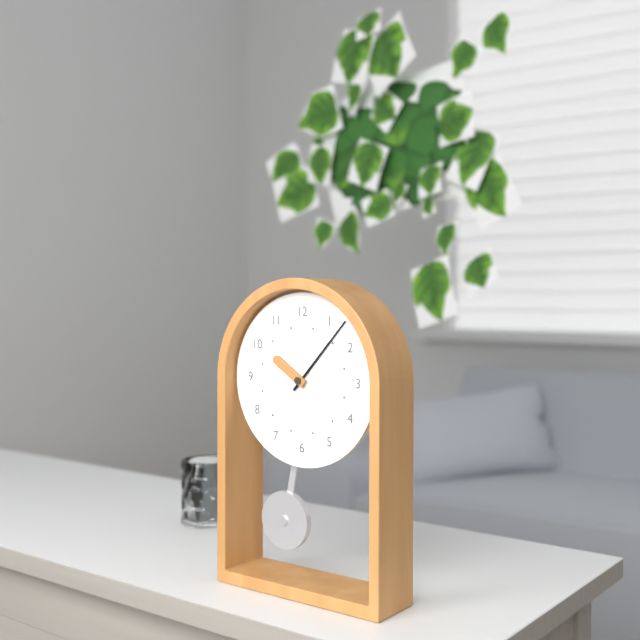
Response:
h=10 m=7
